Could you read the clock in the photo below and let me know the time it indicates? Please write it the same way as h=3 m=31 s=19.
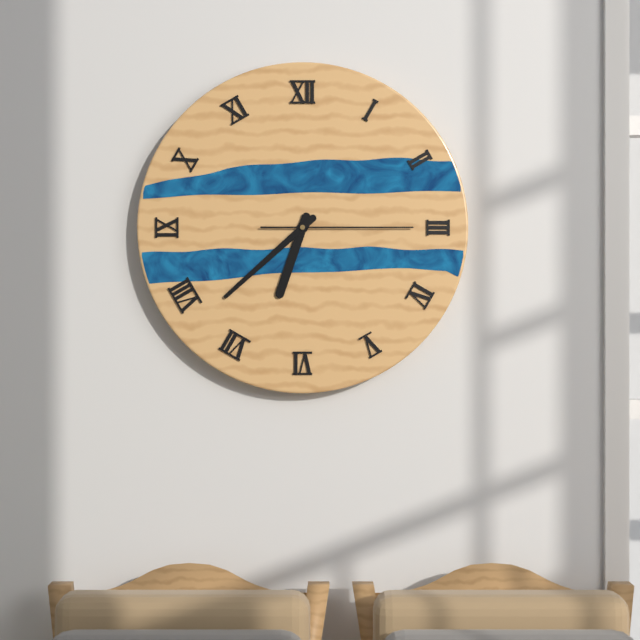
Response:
h=6 m=38 s=15
